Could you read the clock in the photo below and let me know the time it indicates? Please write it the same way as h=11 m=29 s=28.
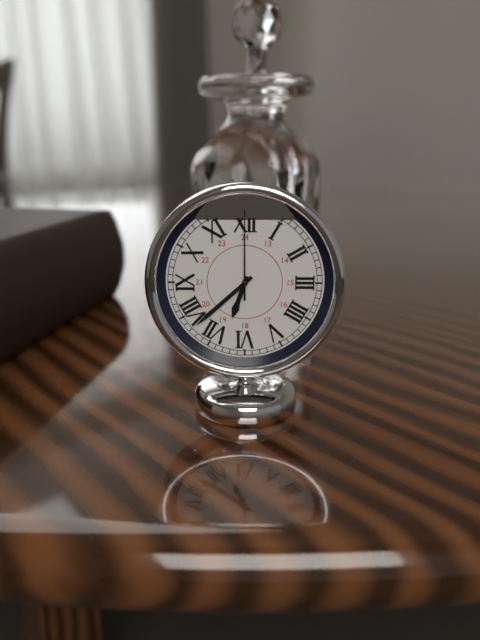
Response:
h=6 m=38 s=0
